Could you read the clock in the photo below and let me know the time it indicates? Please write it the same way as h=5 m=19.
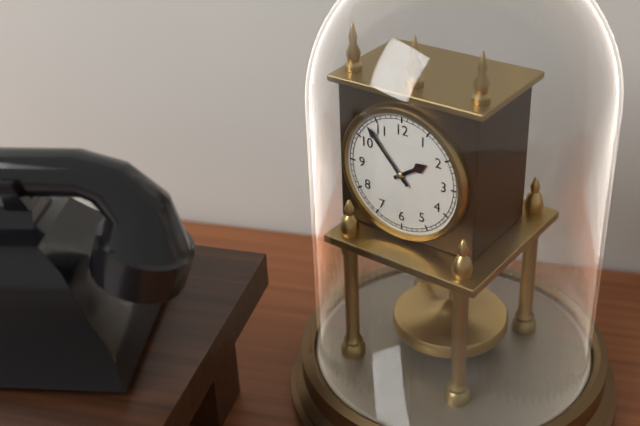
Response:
h=1 m=53
